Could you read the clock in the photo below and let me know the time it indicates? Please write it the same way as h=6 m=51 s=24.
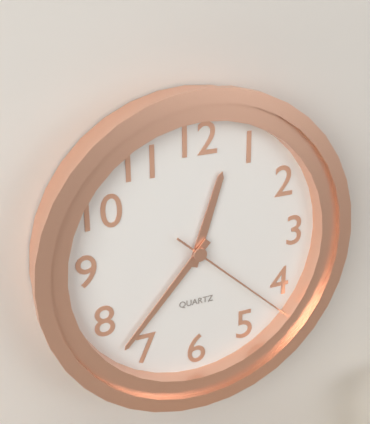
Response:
h=12 m=37 s=22
